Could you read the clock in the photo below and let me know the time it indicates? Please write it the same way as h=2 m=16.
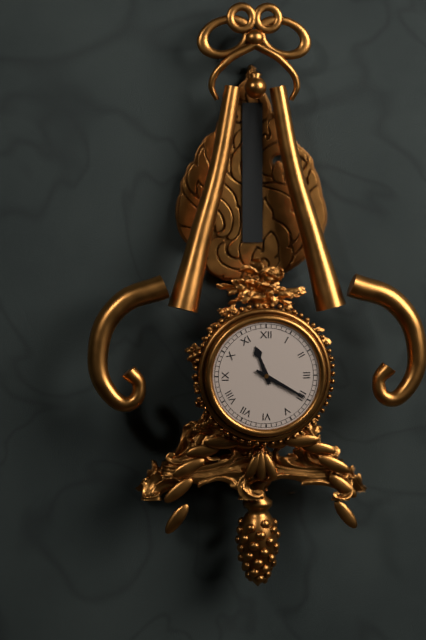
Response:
h=11 m=20
